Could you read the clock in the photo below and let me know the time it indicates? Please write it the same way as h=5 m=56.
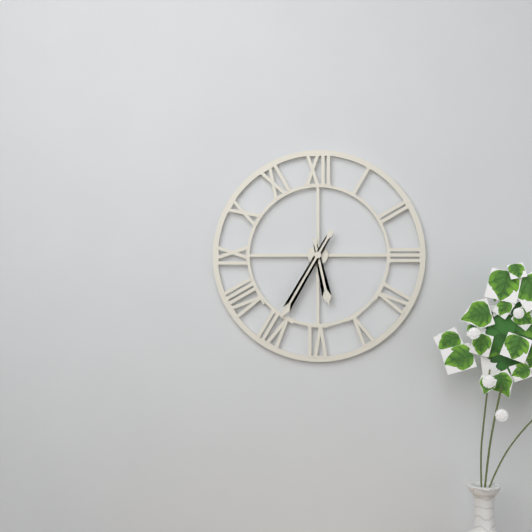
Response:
h=5 m=35
